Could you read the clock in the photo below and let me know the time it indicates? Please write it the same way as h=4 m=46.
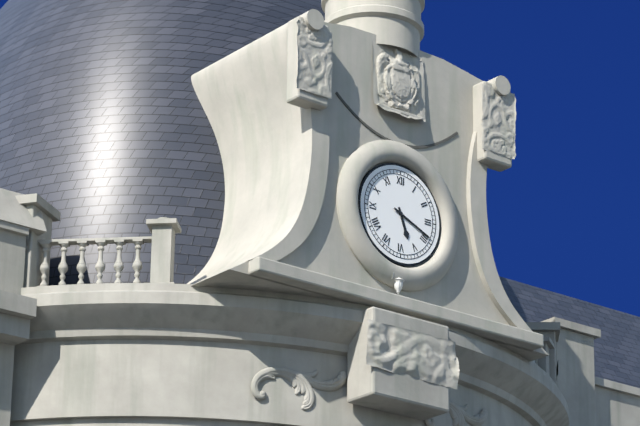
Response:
h=5 m=19
